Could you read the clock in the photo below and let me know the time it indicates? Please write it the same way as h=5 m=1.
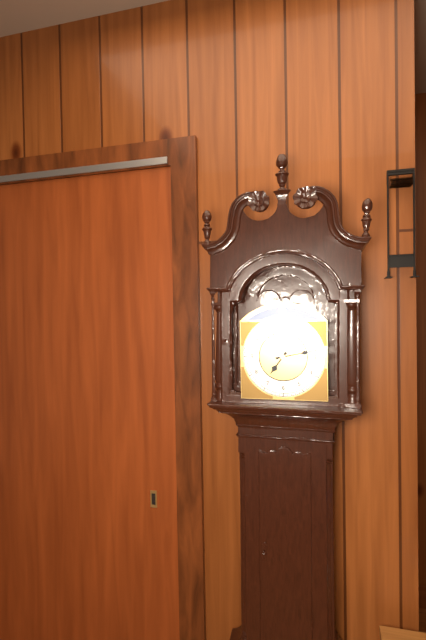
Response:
h=7 m=13
